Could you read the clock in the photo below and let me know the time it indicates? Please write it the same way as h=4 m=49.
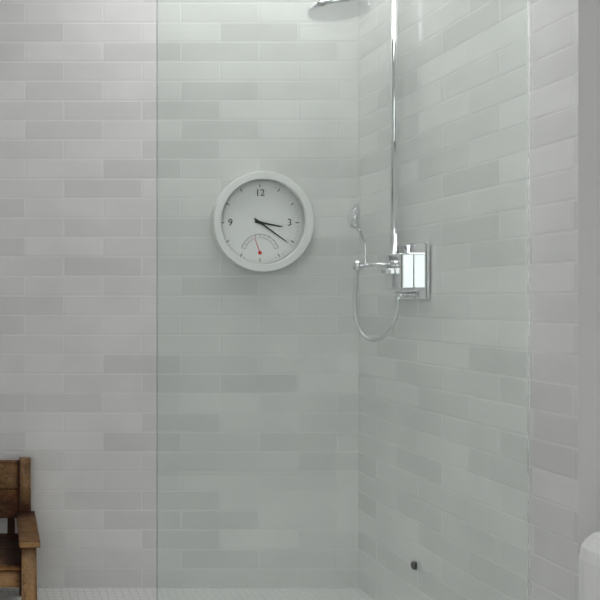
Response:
h=3 m=21
